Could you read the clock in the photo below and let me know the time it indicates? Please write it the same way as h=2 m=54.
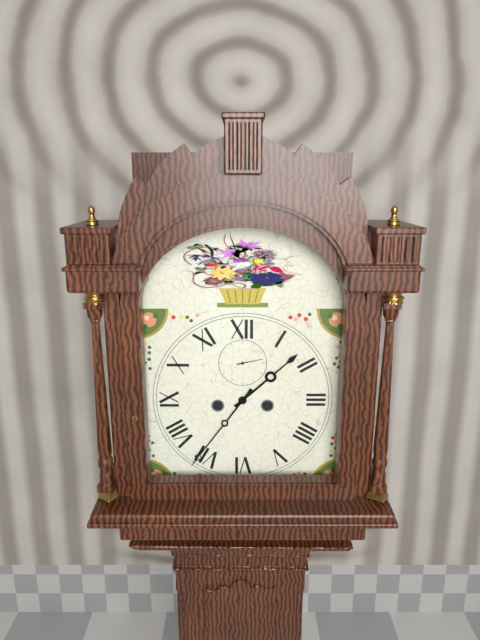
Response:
h=1 m=36
